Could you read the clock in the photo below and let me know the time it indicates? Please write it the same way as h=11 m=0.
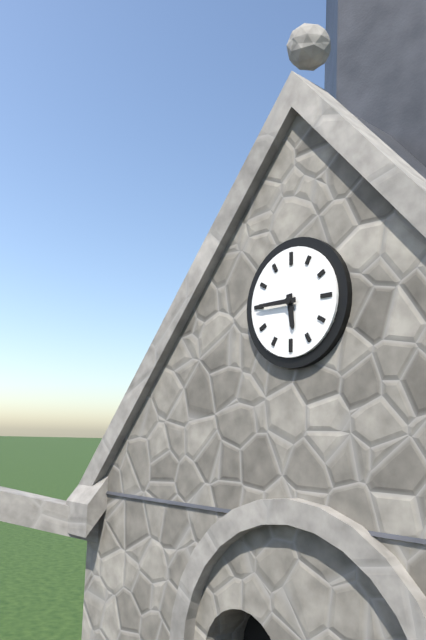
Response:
h=5 m=45
